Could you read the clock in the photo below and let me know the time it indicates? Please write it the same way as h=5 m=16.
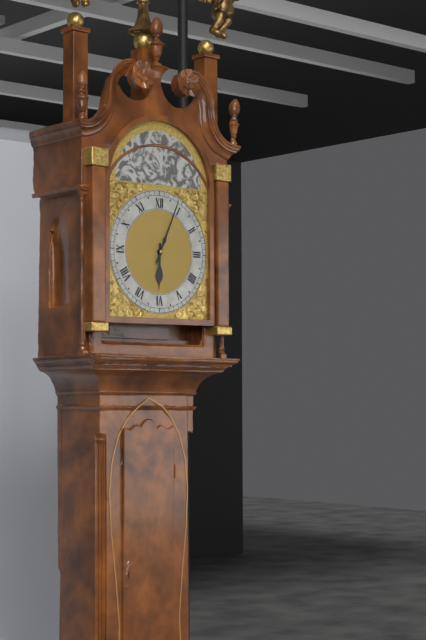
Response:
h=6 m=4
